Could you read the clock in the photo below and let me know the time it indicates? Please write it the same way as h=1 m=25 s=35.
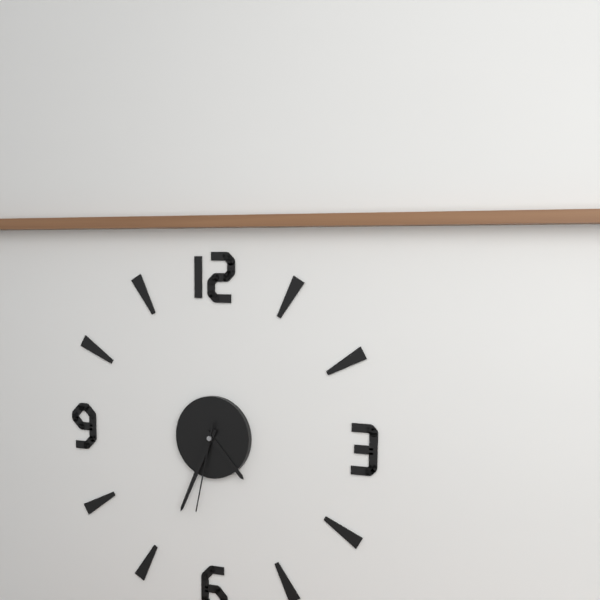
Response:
h=4 m=34 s=32
